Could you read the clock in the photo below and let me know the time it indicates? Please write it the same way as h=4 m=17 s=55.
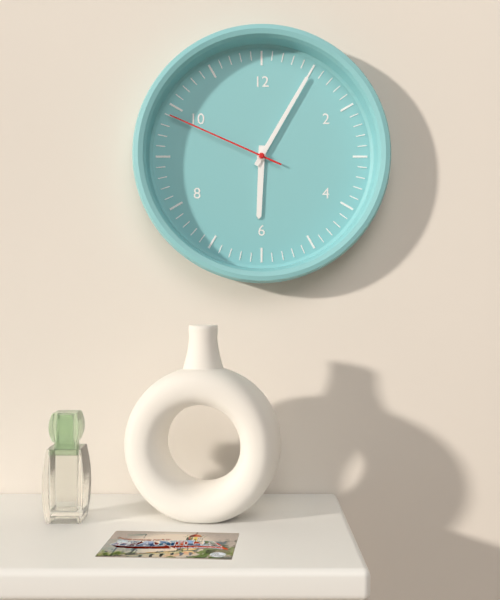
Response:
h=6 m=5 s=49
